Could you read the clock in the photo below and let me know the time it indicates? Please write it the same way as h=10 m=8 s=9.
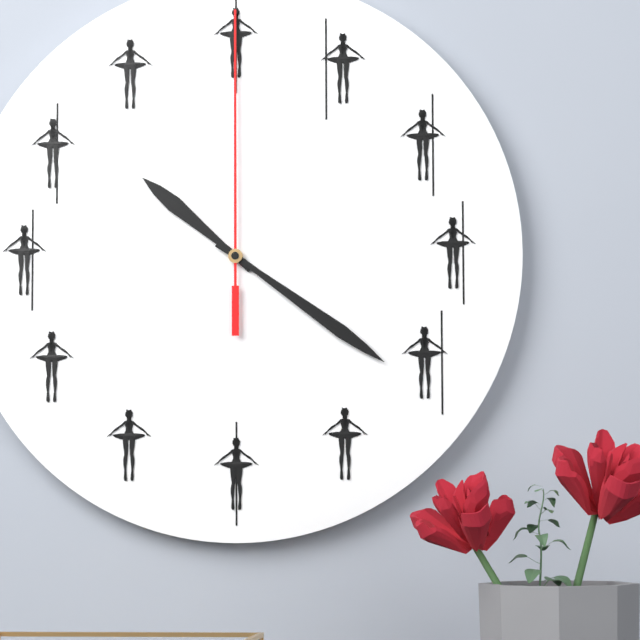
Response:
h=10 m=21 s=0
